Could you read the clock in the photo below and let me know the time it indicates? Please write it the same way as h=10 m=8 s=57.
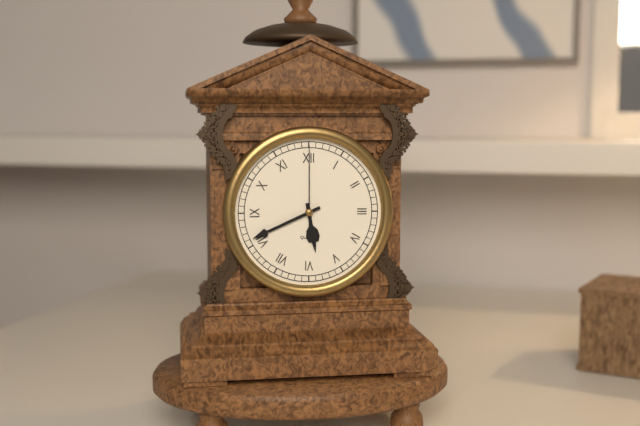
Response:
h=5 m=41 s=0
